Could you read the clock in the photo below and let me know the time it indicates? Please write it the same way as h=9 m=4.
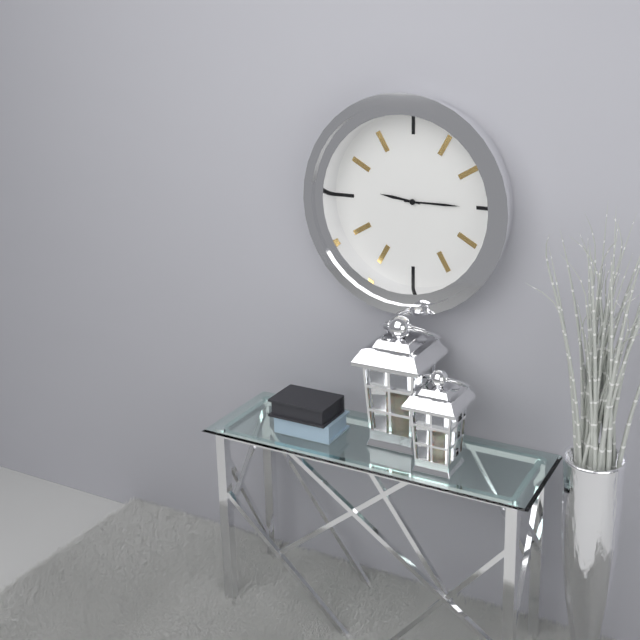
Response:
h=9 m=15
